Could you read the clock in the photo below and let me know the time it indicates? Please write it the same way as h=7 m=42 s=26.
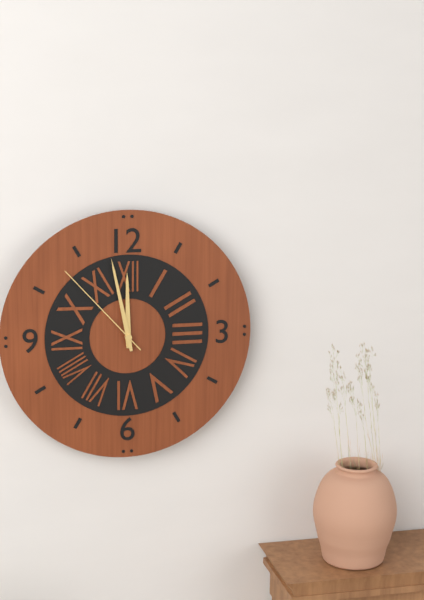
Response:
h=11 m=58 s=53
